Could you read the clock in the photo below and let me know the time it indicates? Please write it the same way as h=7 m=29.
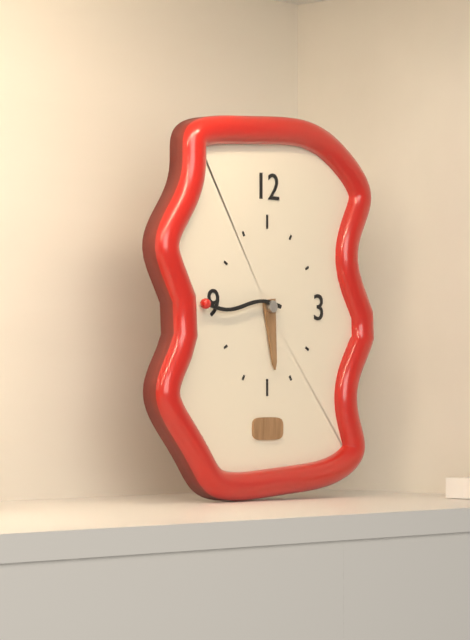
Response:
h=5 m=45
